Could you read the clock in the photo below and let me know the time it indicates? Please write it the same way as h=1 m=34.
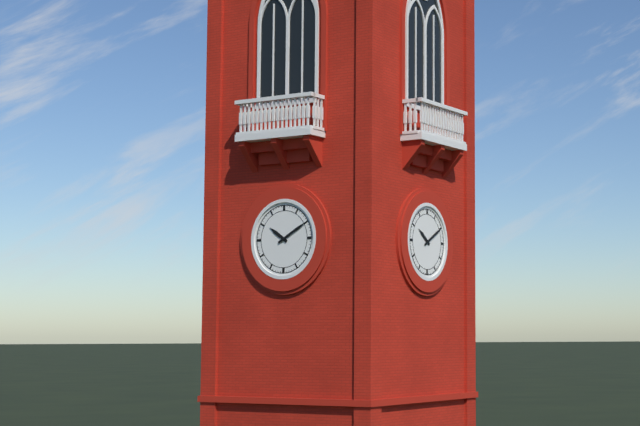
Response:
h=10 m=10
